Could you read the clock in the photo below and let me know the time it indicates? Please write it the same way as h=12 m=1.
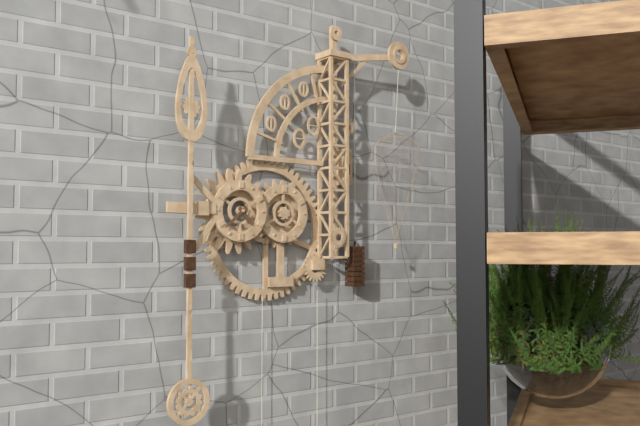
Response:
h=4 m=38
